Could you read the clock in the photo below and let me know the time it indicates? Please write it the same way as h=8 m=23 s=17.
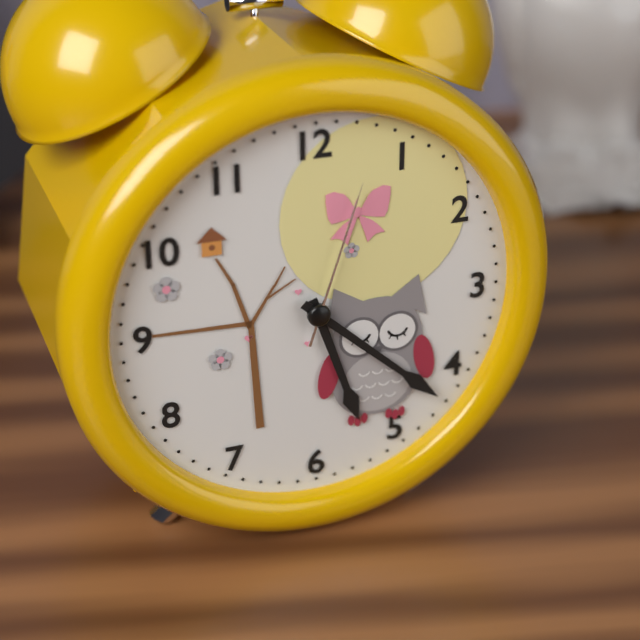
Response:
h=5 m=22 s=3
